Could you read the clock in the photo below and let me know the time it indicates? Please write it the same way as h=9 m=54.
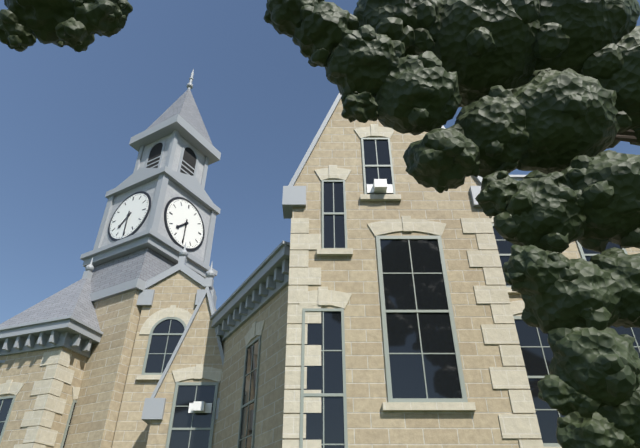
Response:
h=7 m=30
